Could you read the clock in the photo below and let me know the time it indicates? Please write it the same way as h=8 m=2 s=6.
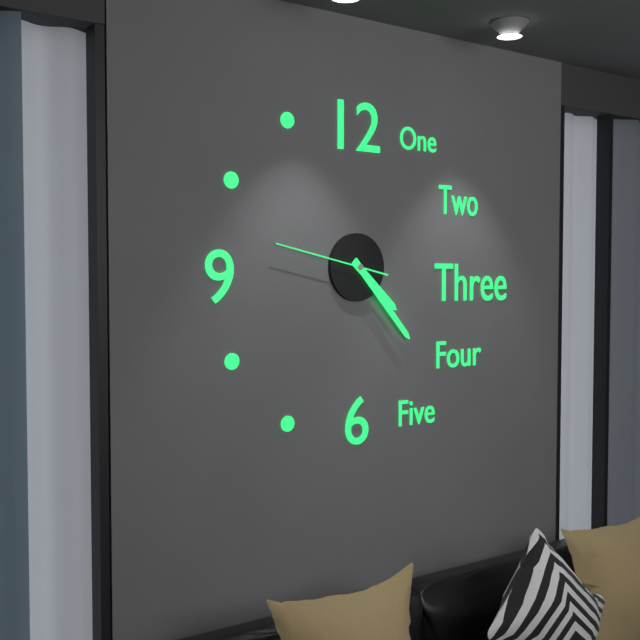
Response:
h=4 m=23 s=47
